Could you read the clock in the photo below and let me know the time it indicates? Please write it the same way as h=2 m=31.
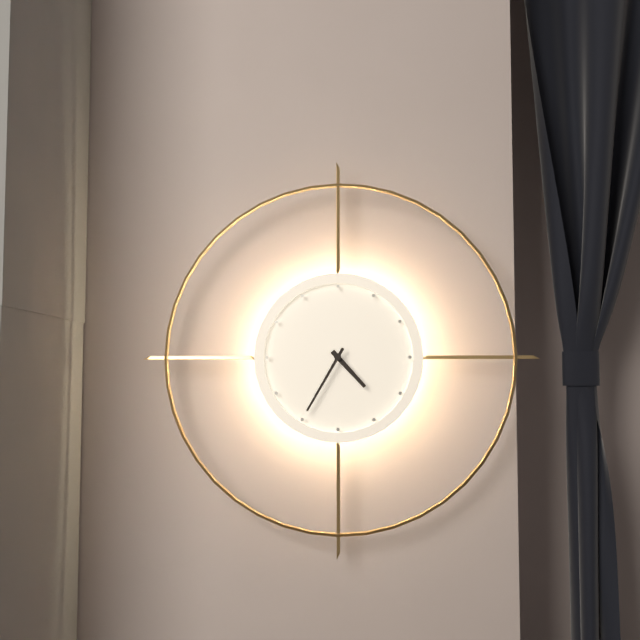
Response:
h=4 m=35
